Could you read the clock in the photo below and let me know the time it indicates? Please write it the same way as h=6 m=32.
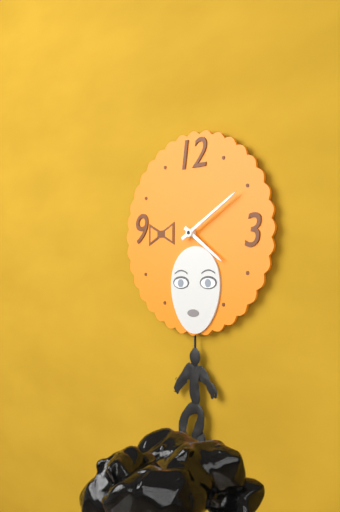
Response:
h=4 m=10
